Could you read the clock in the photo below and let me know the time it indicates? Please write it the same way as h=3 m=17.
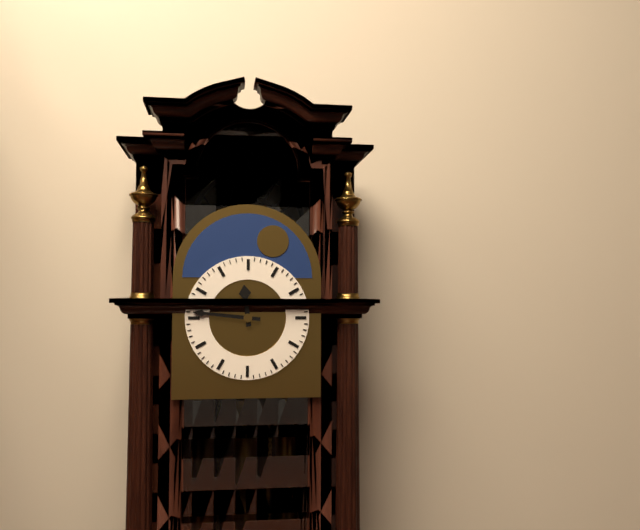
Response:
h=11 m=46
